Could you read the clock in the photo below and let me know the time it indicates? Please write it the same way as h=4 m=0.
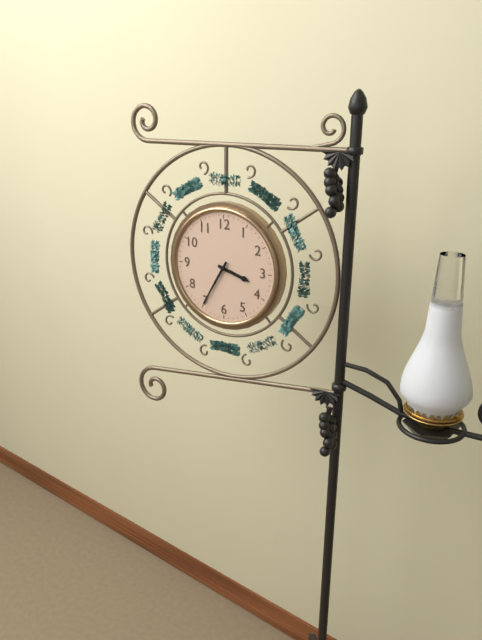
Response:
h=3 m=35
